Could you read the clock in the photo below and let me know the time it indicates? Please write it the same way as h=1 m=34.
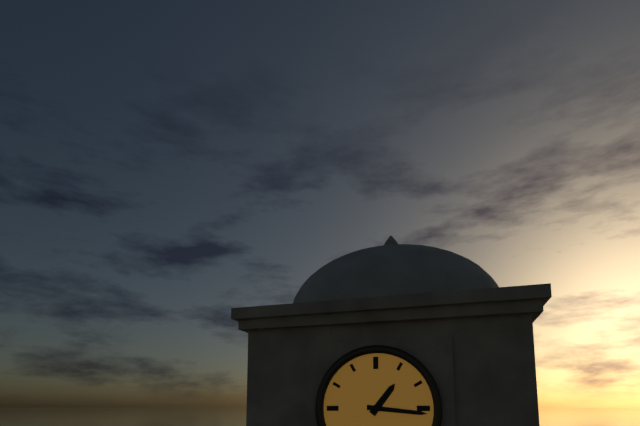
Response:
h=1 m=16
